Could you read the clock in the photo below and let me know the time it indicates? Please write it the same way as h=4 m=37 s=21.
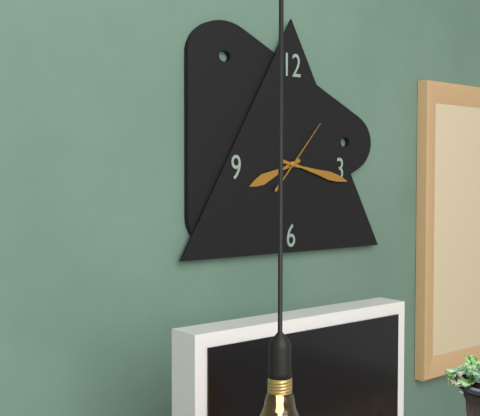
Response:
h=8 m=17 s=7
